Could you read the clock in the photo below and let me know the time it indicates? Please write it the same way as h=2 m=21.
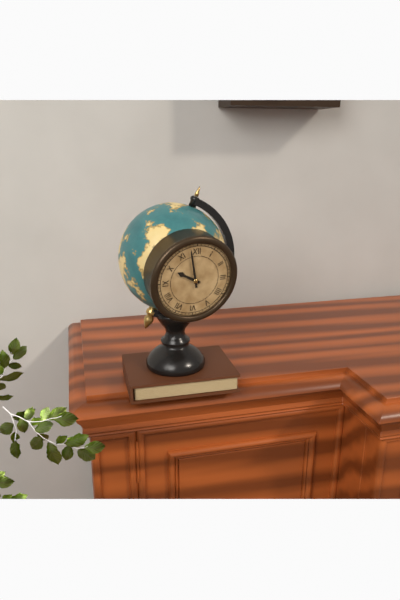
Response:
h=9 m=58
